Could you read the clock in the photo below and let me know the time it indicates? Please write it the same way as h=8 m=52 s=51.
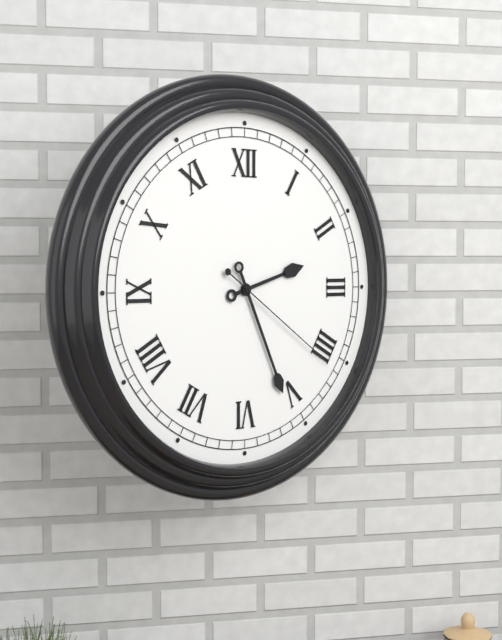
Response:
h=2 m=26 s=21
